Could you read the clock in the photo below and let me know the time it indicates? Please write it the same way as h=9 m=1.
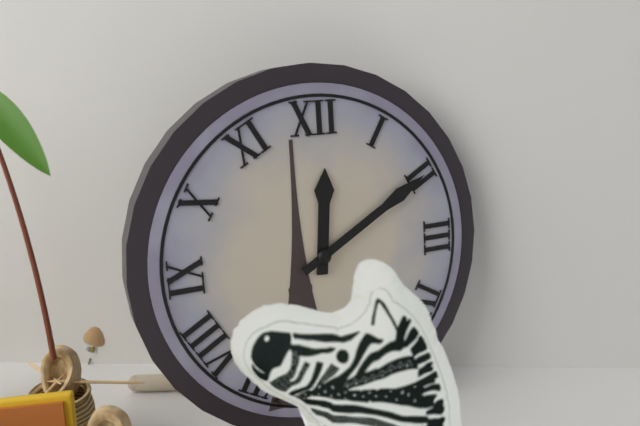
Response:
h=12 m=10
